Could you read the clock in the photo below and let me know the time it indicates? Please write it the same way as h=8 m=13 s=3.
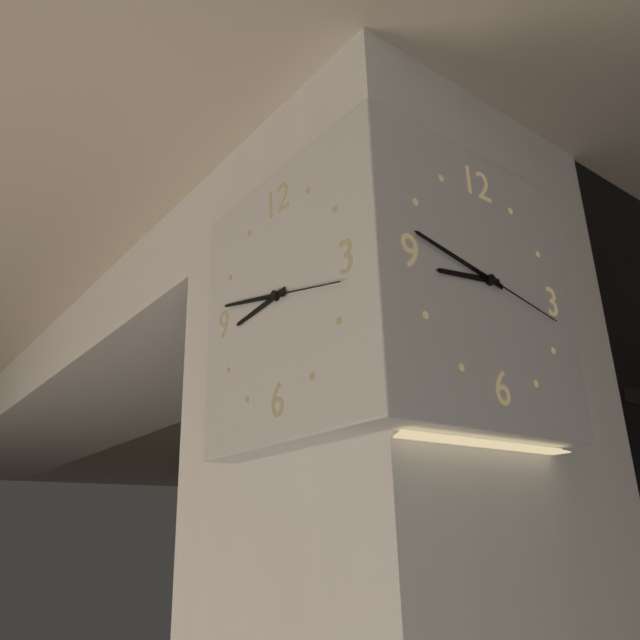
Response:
h=8 m=47 s=17
